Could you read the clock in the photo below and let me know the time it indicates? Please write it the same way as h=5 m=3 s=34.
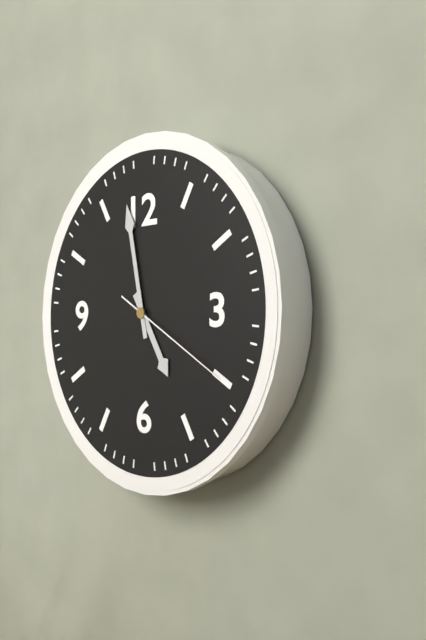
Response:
h=4 m=58 s=20
